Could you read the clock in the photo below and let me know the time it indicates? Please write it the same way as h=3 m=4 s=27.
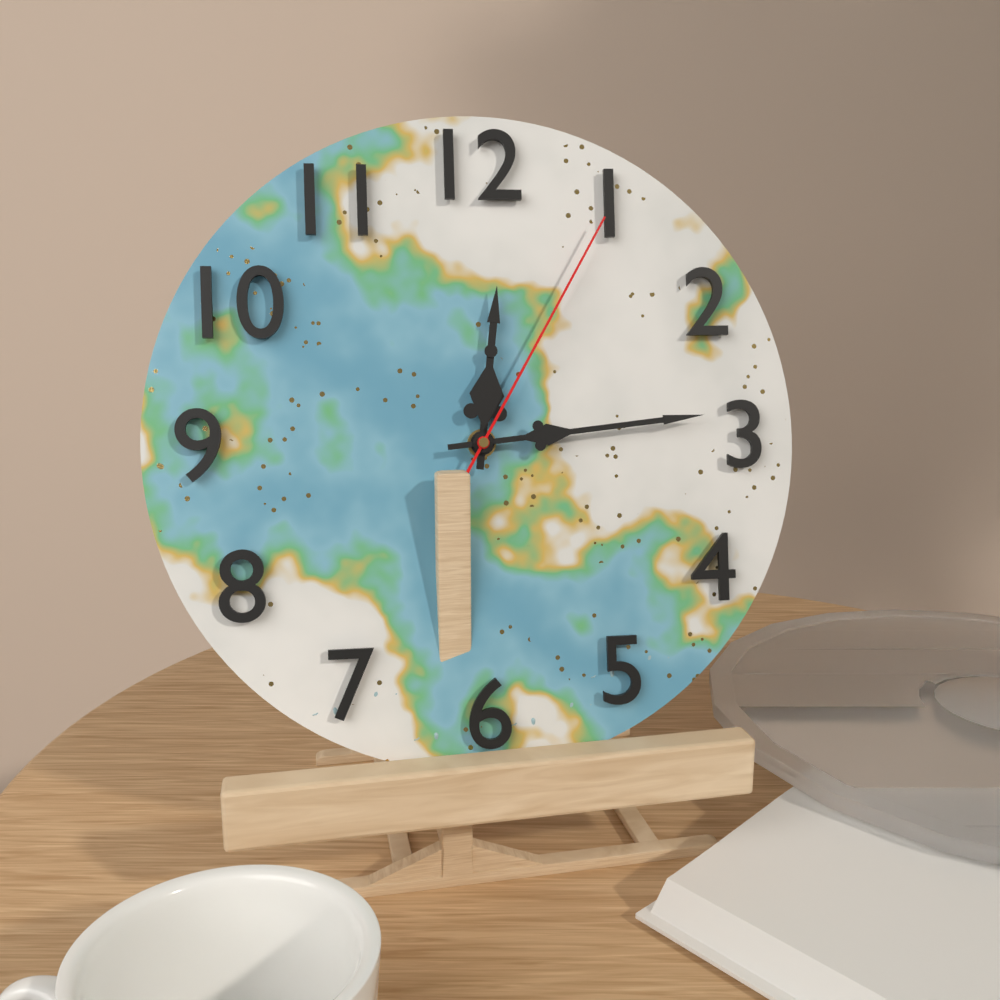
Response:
h=12 m=14 s=5
